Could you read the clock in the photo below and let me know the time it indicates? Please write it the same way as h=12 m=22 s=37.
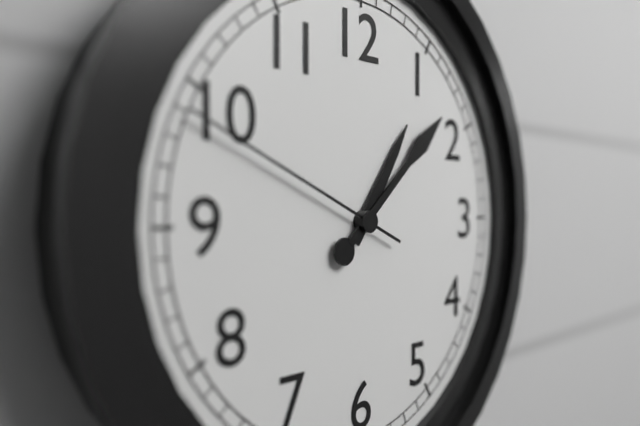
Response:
h=1 m=8 s=49
